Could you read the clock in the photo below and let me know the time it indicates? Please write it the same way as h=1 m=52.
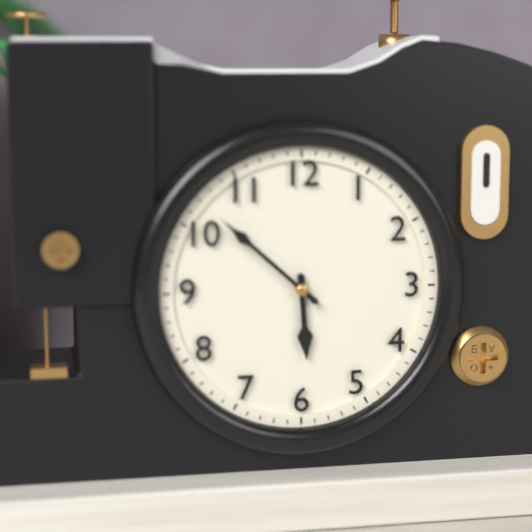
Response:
h=5 m=52
